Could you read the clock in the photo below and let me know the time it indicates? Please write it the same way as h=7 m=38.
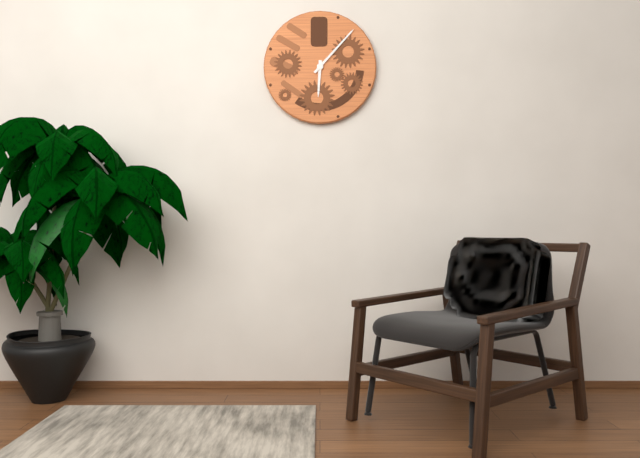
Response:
h=6 m=7
